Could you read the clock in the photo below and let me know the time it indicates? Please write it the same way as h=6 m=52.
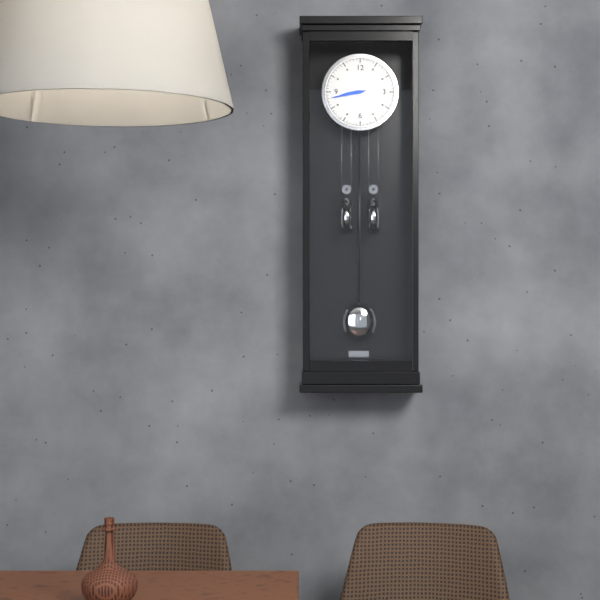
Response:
h=8 m=43
